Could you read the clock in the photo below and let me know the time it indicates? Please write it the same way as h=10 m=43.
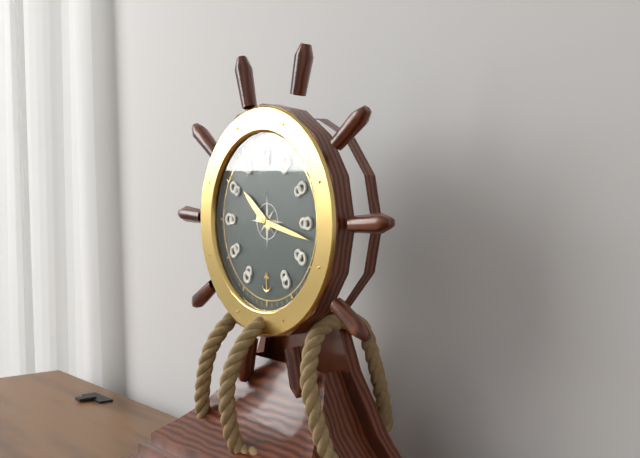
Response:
h=10 m=17
